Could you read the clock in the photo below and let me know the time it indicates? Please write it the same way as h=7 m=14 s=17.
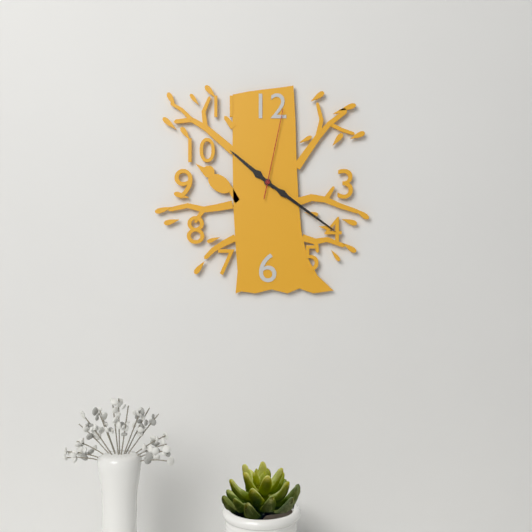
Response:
h=10 m=21 s=2
